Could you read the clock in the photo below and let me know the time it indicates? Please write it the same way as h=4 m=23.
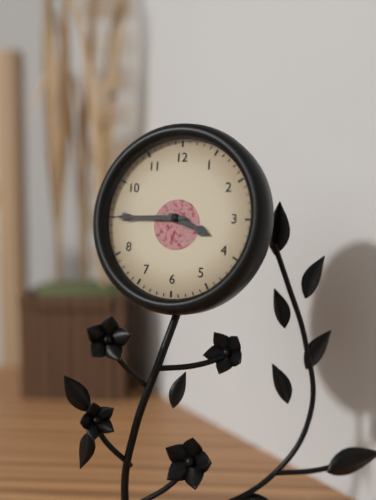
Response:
h=3 m=45
